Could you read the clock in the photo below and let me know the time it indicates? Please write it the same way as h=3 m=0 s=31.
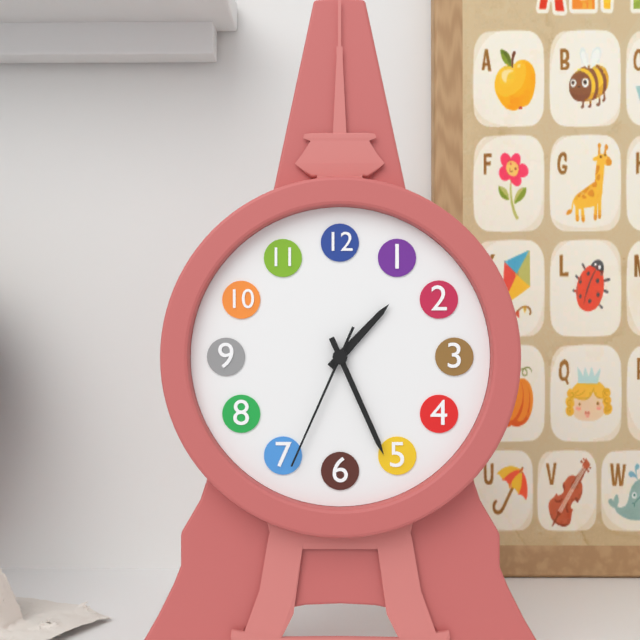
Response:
h=1 m=26 s=34
